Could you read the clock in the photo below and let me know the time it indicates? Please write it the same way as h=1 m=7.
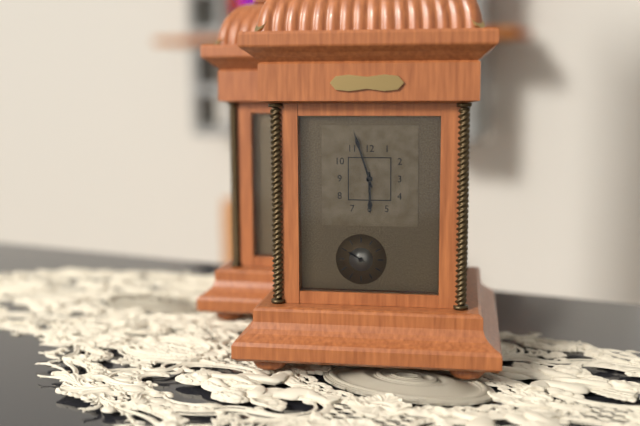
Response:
h=5 m=57
